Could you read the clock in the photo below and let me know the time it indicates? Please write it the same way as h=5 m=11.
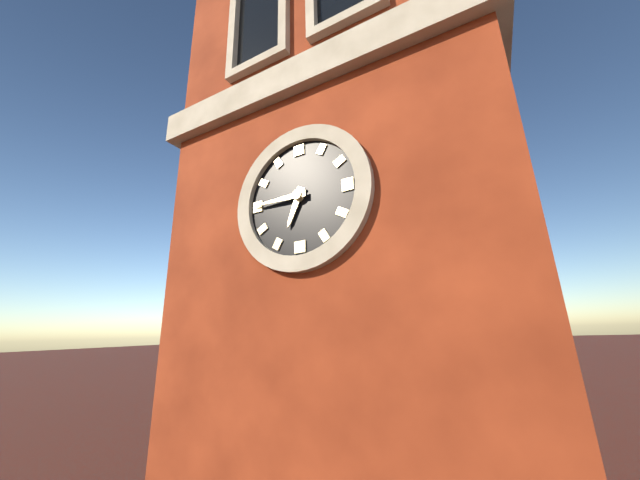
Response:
h=6 m=45
